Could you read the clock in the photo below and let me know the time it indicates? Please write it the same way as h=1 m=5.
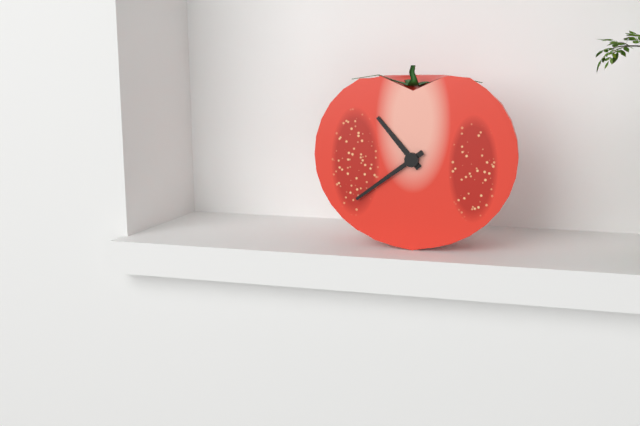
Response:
h=10 m=39
